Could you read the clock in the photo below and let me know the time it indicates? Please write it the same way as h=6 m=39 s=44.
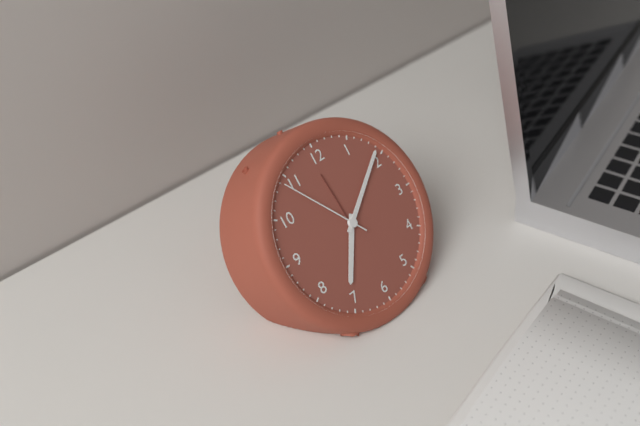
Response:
h=7 m=9 s=54
